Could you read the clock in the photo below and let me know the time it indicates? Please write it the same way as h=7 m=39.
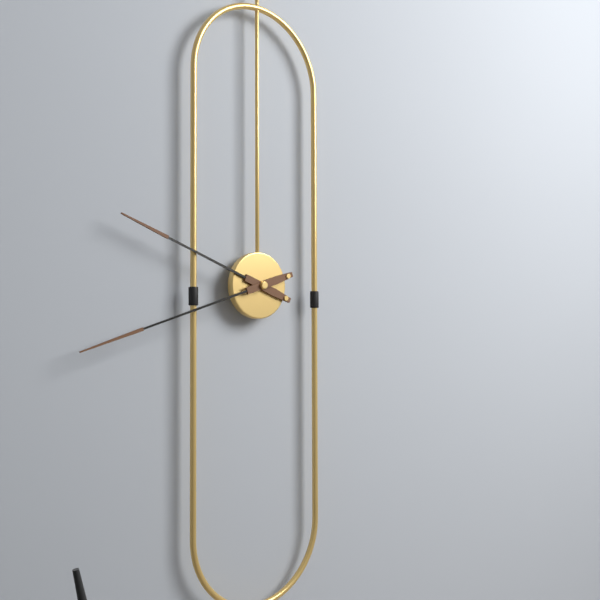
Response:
h=9 m=42
